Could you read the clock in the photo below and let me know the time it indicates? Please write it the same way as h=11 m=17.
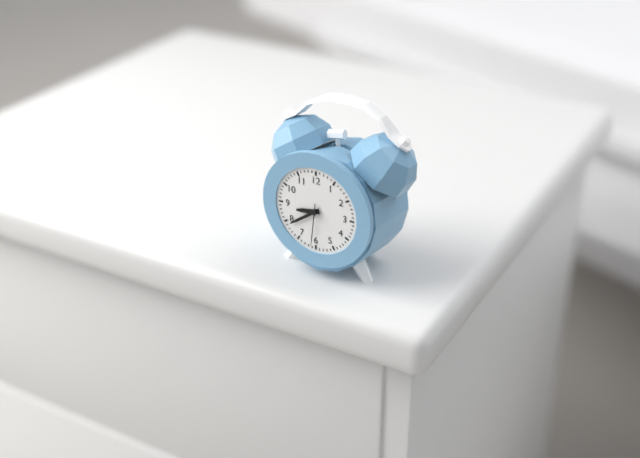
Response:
h=8 m=39
